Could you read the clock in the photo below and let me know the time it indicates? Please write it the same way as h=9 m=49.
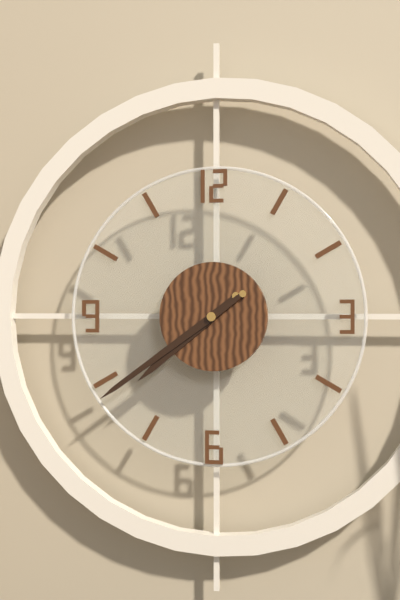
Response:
h=7 m=39
